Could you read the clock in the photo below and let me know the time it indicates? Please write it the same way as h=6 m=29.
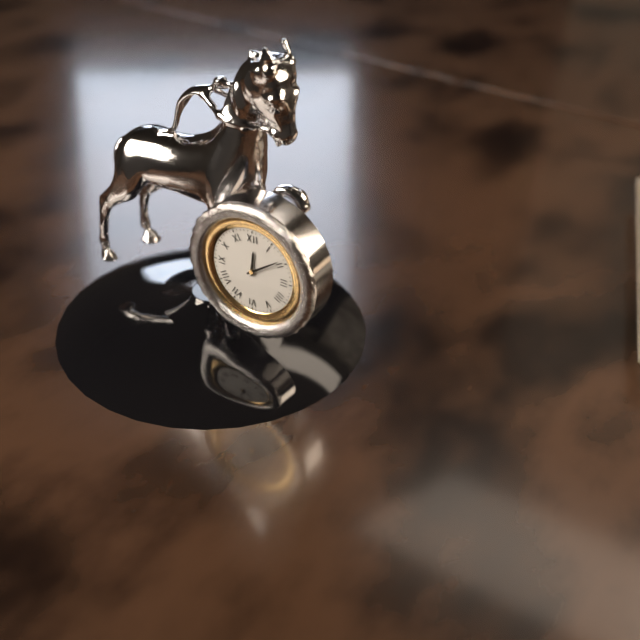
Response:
h=12 m=9
